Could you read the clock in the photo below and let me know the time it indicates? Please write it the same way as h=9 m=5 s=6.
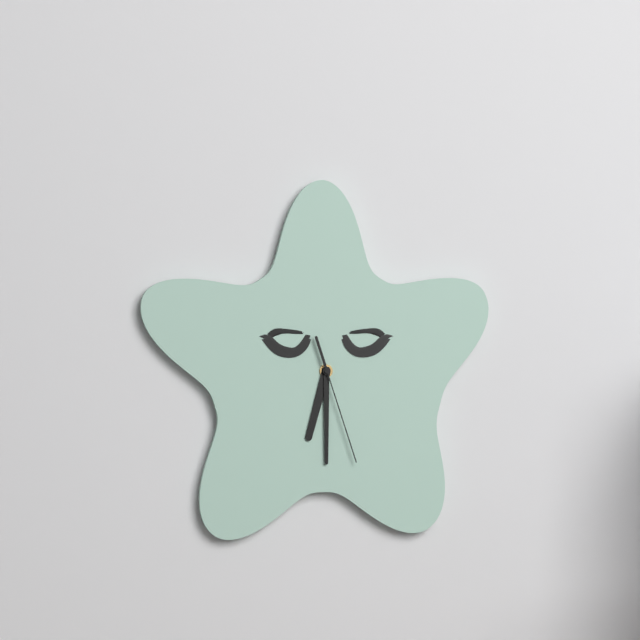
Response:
h=6 m=30 s=27
